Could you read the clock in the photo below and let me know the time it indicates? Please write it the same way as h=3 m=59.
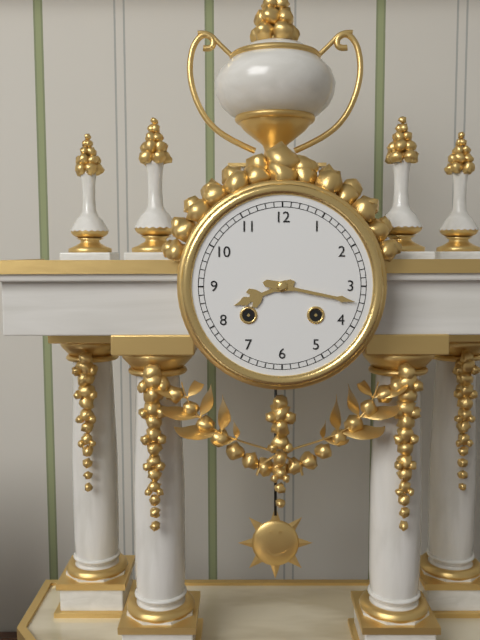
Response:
h=8 m=17
